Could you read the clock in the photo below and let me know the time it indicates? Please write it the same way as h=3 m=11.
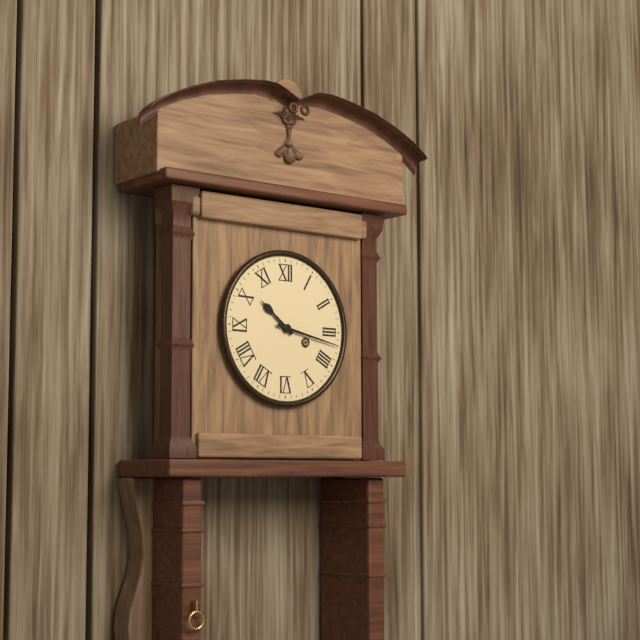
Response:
h=10 m=17
